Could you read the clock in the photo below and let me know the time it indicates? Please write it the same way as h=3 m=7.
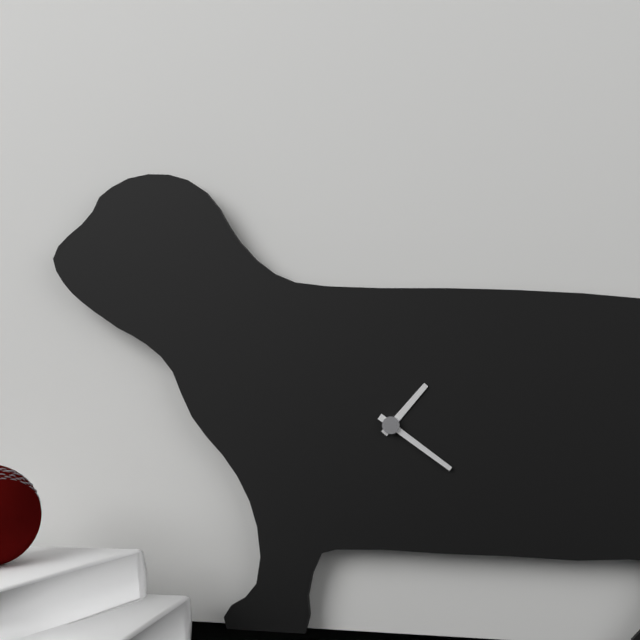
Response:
h=1 m=21
